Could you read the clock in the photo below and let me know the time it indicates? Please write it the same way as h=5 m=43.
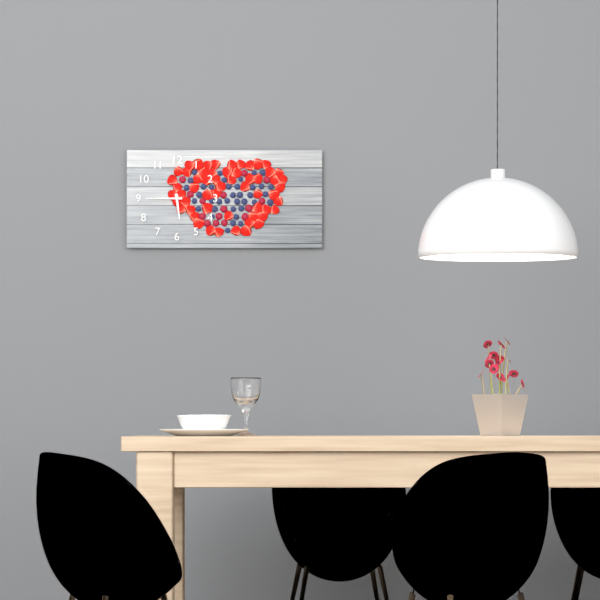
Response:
h=5 m=45
